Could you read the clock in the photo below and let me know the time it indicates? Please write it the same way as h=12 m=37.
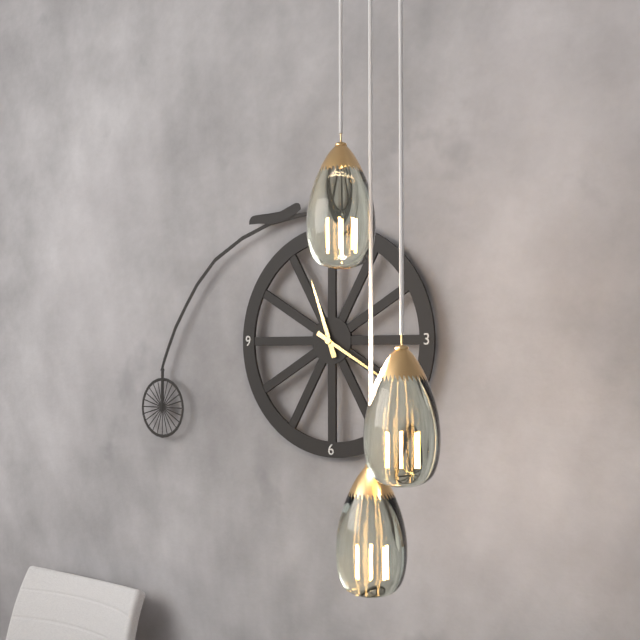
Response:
h=11 m=20
